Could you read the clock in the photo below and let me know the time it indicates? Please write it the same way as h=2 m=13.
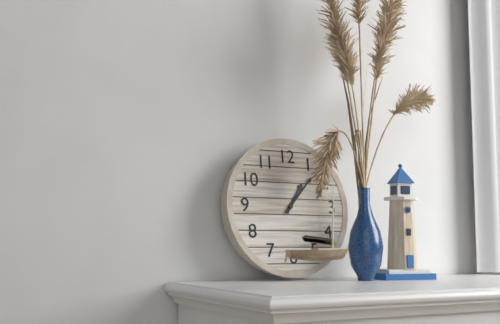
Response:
h=1 m=7
